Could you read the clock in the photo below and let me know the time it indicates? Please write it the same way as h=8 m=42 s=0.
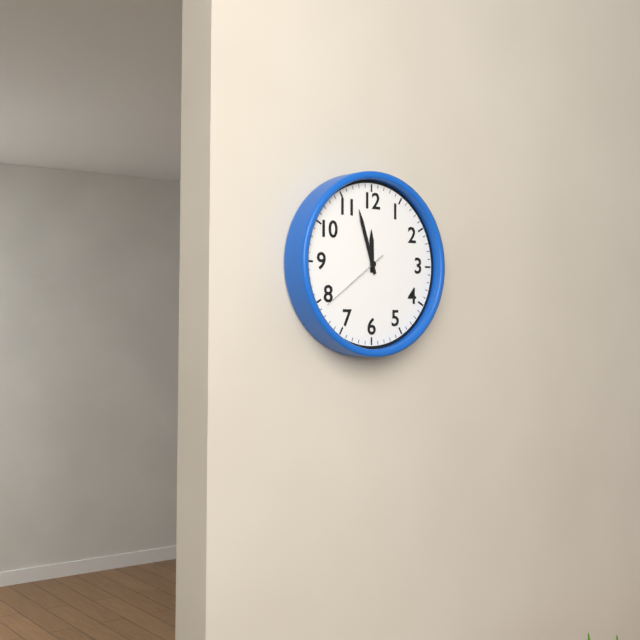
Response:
h=11 m=57 s=39
